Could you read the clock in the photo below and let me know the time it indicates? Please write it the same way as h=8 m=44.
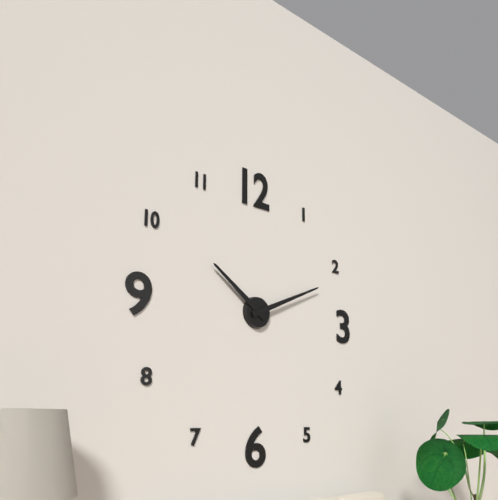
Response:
h=10 m=11
